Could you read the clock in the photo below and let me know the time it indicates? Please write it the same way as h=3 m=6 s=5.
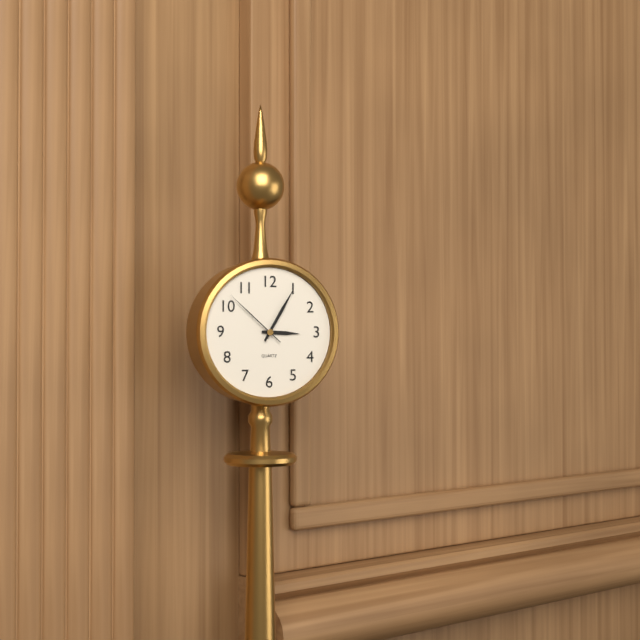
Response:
h=3 m=5 s=52
